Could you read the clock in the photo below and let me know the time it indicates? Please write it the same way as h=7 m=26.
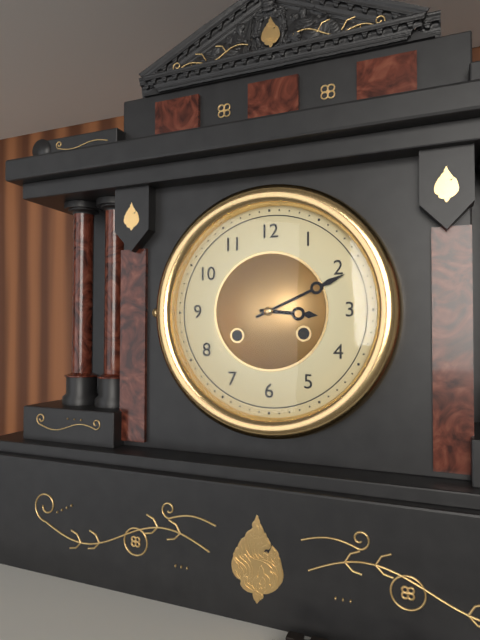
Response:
h=3 m=11
